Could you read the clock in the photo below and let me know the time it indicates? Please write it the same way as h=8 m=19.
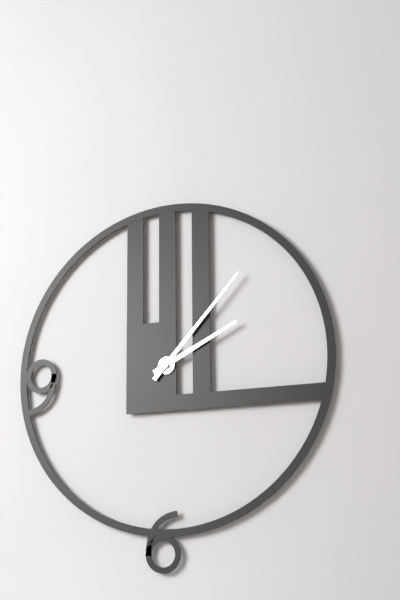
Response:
h=2 m=7
